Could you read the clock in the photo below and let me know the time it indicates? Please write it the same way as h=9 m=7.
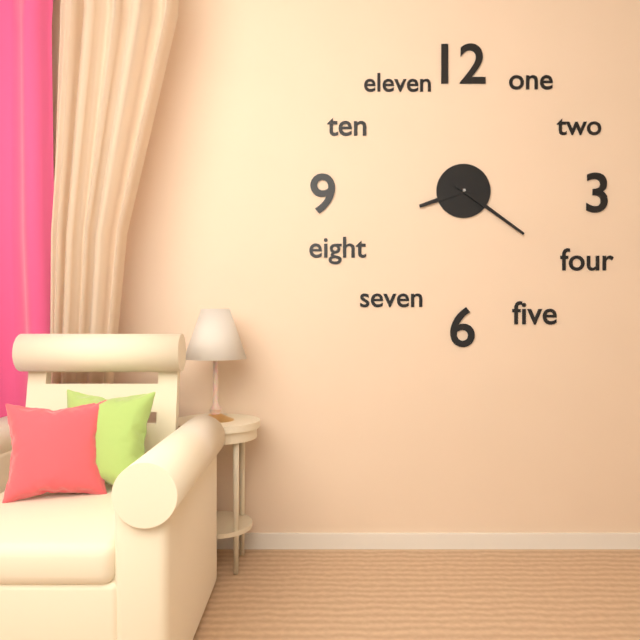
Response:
h=8 m=21
